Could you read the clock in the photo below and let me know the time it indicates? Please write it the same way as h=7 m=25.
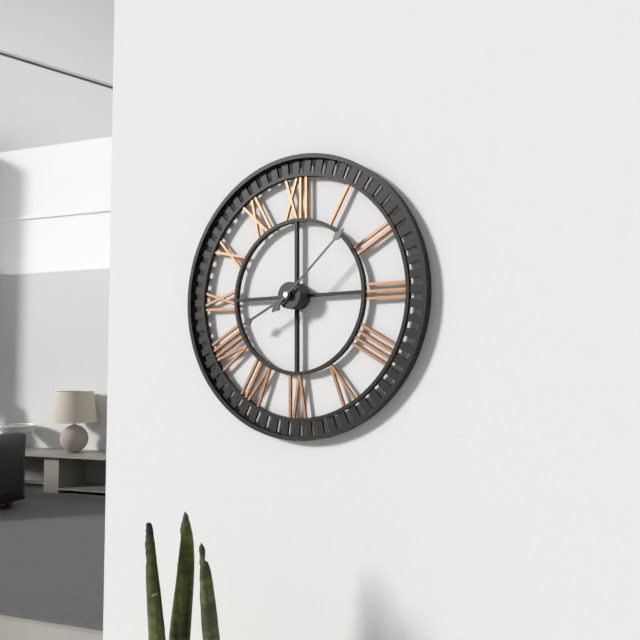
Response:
h=8 m=8
